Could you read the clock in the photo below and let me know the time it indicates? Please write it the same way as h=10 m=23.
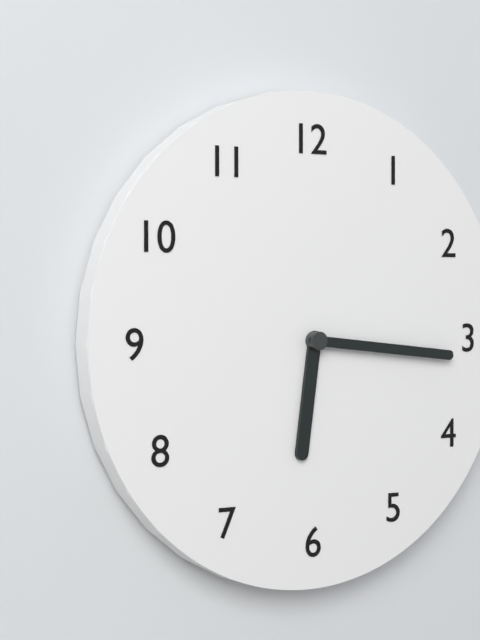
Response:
h=6 m=16
